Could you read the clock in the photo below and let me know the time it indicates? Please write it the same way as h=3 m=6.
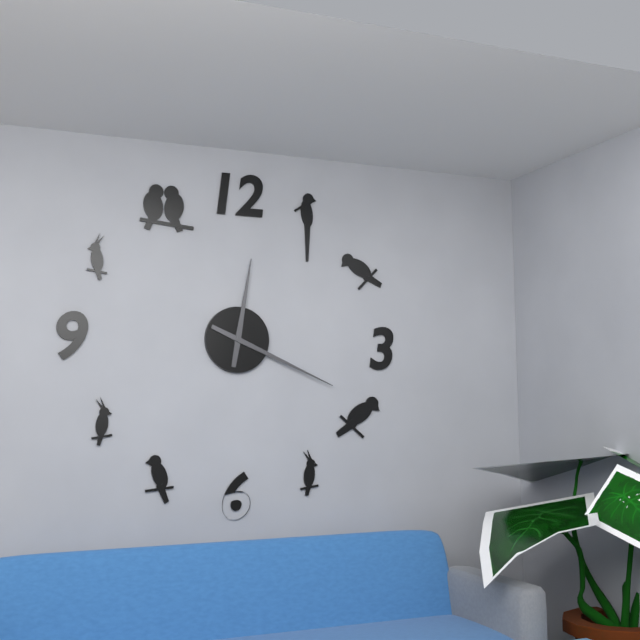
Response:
h=12 m=19
